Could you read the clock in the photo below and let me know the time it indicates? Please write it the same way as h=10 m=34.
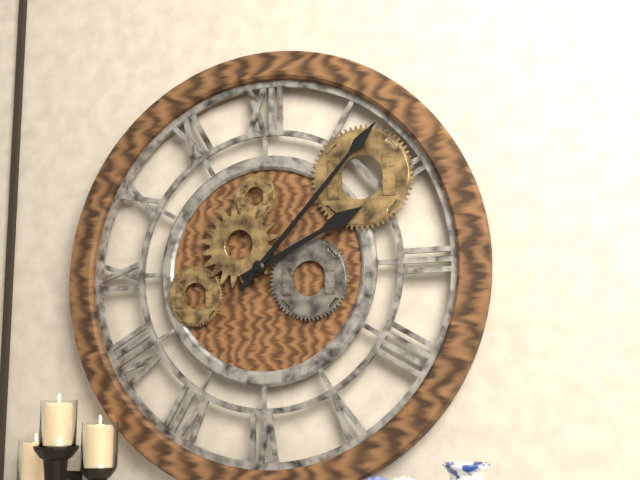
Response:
h=2 m=7
